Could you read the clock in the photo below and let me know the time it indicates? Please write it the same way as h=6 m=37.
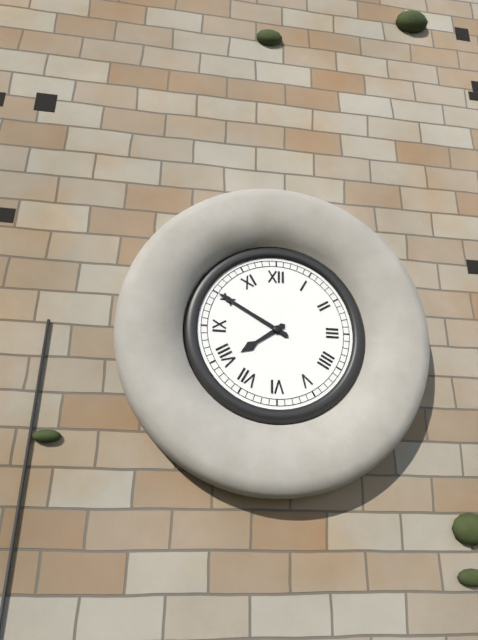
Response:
h=7 m=50
